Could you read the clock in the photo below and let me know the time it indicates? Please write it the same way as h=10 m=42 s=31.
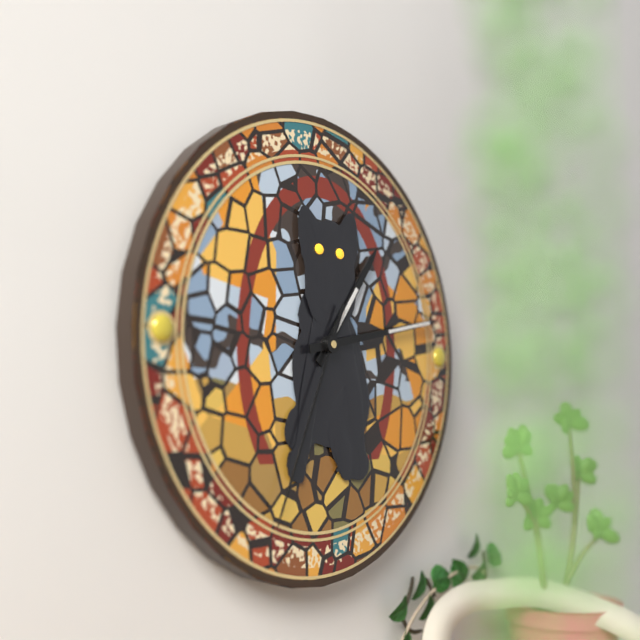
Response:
h=1 m=13 s=34
